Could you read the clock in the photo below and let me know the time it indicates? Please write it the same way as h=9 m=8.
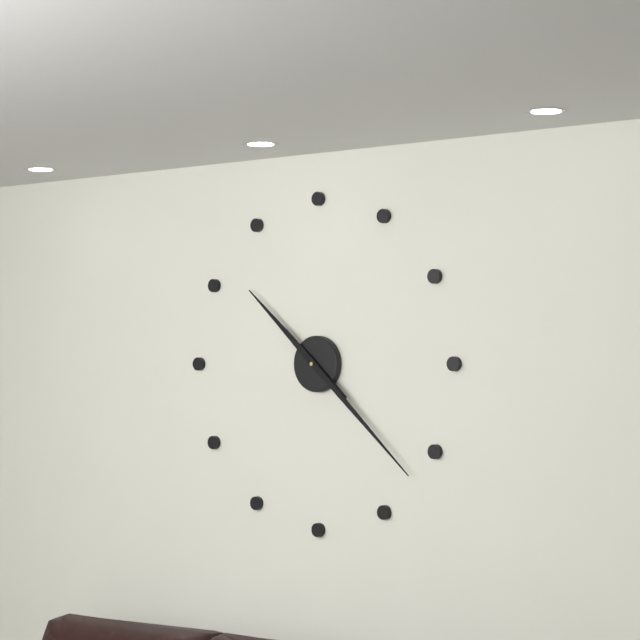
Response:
h=10 m=22
